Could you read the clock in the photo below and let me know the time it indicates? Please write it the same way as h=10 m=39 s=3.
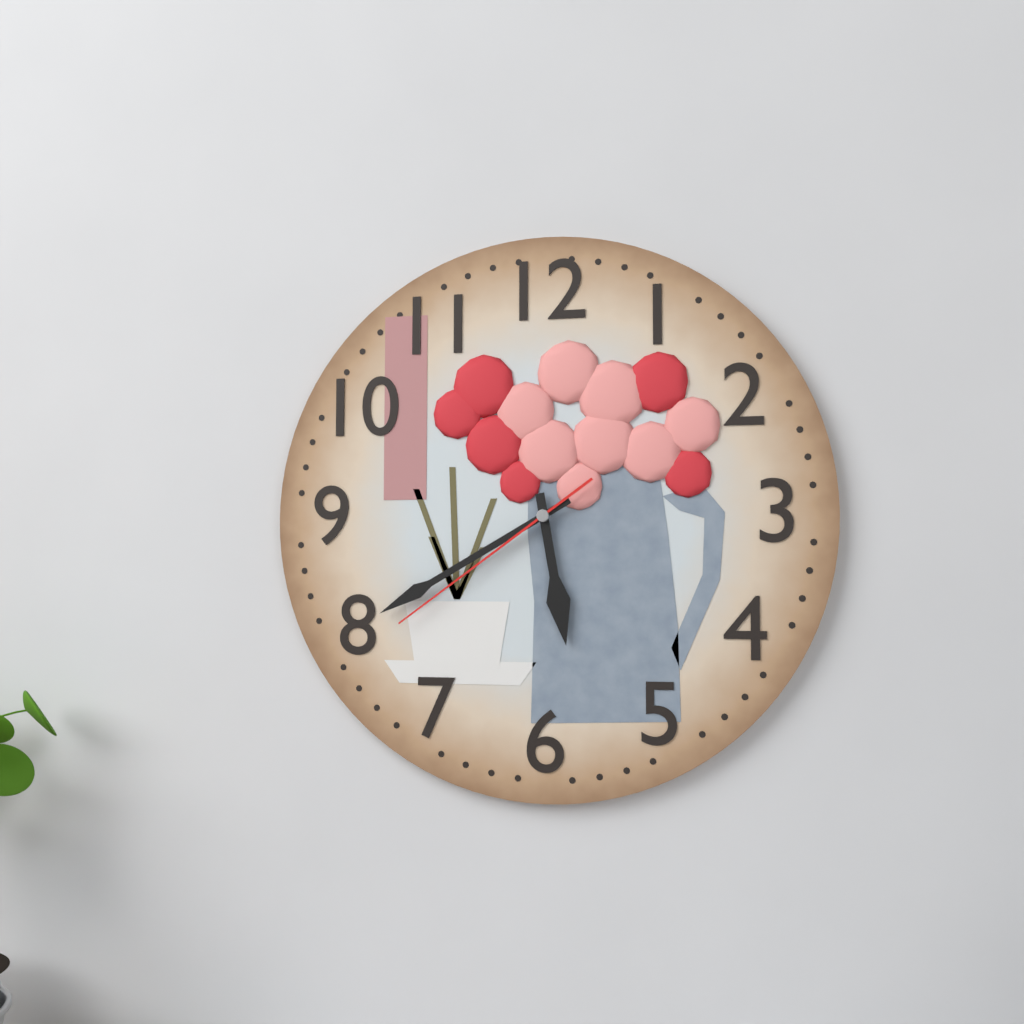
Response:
h=5 m=40 s=39
